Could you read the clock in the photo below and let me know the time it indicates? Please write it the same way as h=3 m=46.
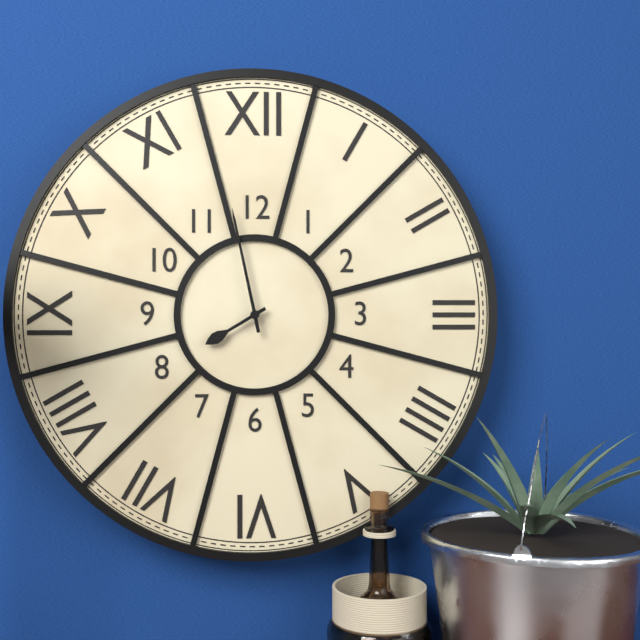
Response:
h=7 m=58
